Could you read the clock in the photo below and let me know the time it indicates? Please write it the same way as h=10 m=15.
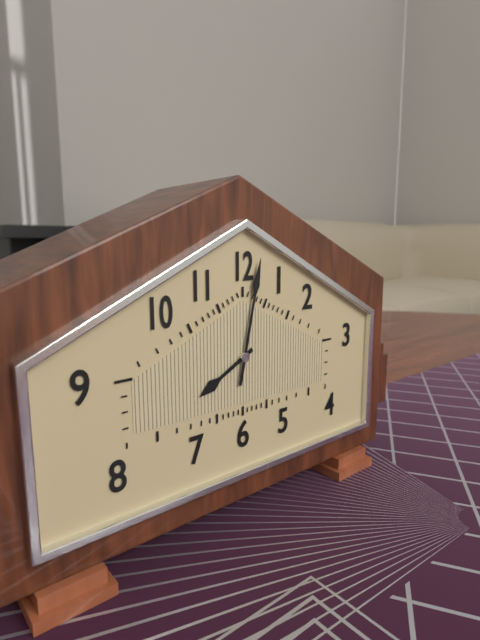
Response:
h=8 m=2
